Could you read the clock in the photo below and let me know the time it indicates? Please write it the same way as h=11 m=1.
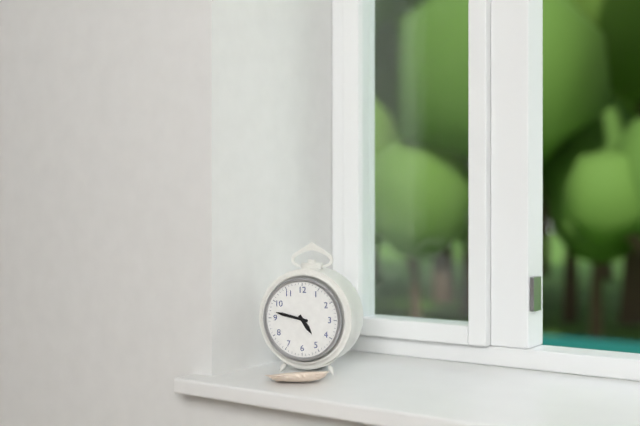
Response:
h=4 m=47
